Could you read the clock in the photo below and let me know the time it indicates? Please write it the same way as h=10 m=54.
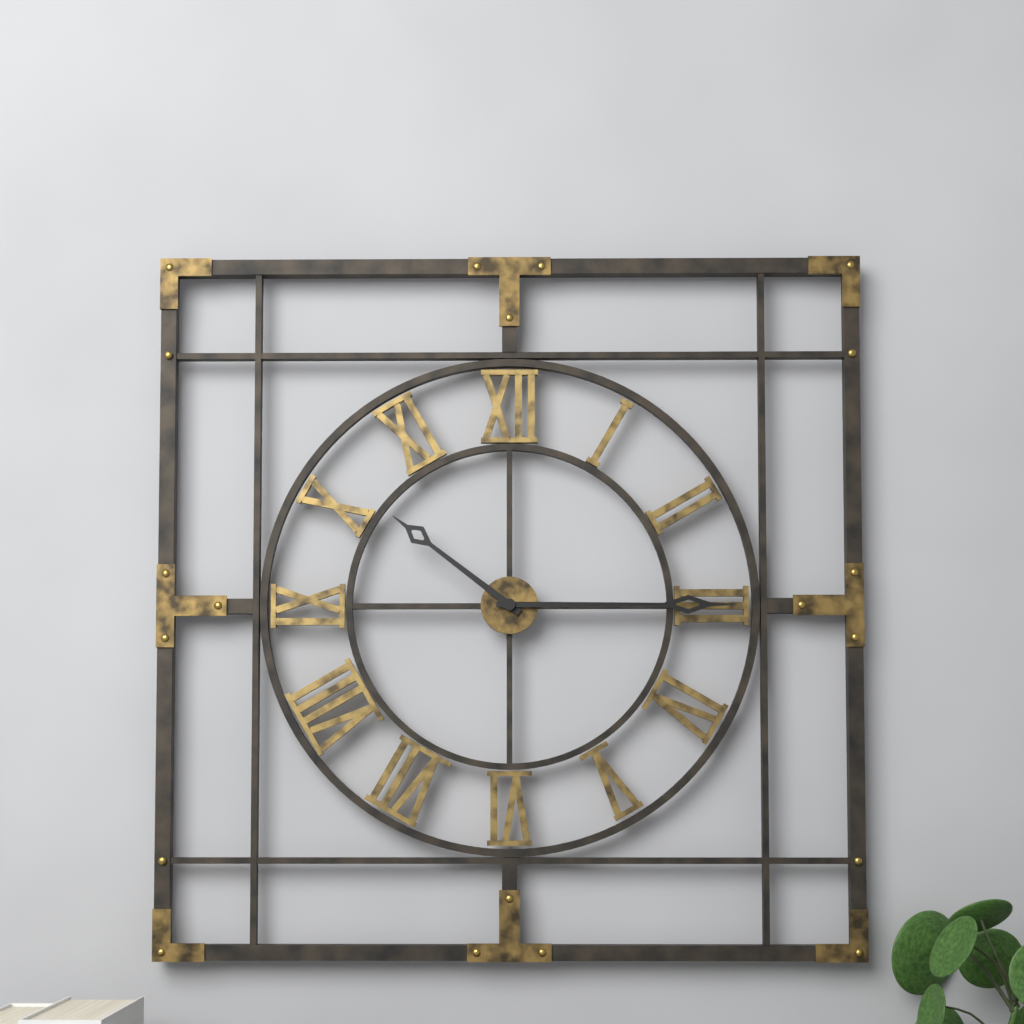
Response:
h=10 m=15
